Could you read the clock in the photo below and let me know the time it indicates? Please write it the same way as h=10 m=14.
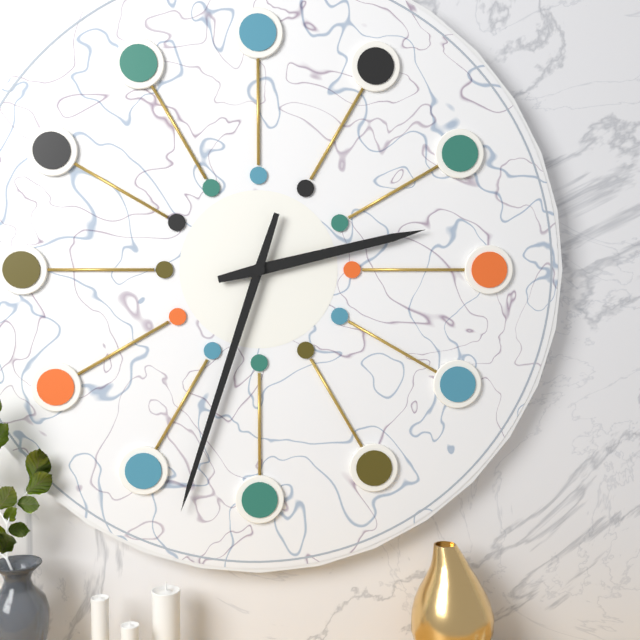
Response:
h=2 m=33
